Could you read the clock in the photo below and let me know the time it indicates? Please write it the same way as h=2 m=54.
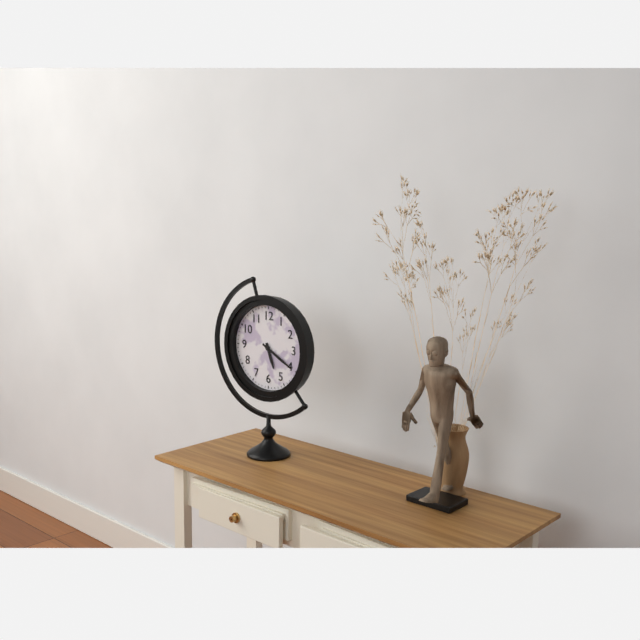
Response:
h=5 m=20
